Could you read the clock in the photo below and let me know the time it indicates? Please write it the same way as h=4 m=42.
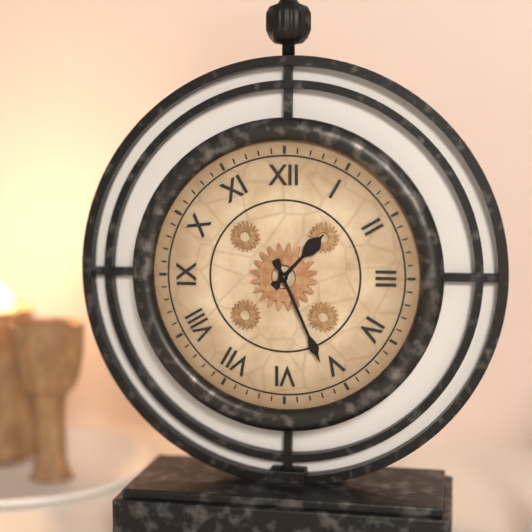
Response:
h=1 m=26
